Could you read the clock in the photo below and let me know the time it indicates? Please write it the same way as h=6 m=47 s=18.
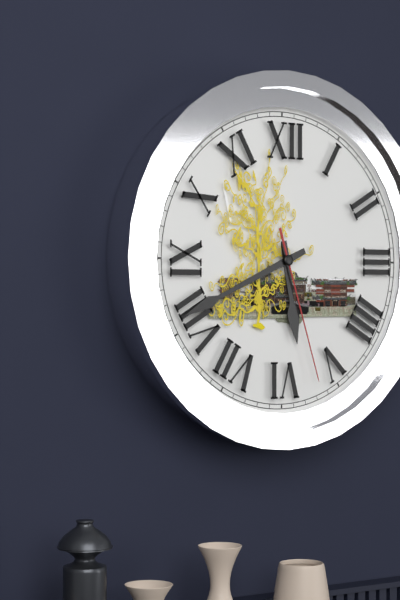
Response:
h=5 m=41 s=27
